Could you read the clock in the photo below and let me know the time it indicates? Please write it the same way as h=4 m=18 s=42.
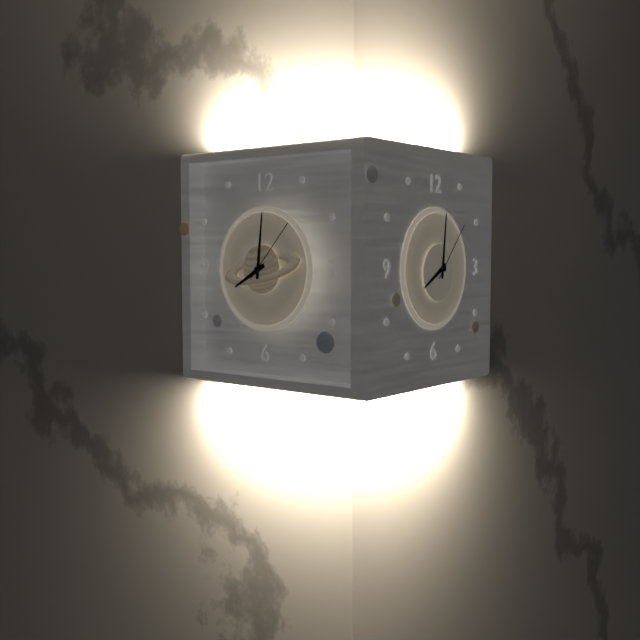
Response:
h=8 m=1 s=7
